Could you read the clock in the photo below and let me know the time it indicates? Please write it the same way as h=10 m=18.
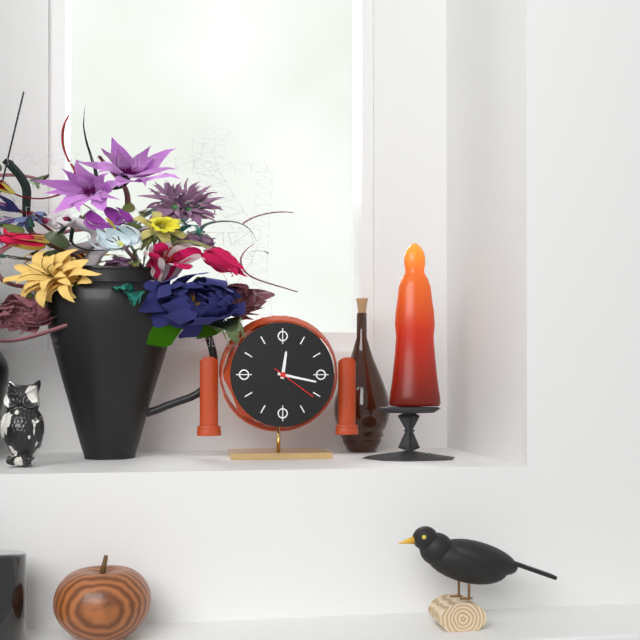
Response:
h=12 m=17
